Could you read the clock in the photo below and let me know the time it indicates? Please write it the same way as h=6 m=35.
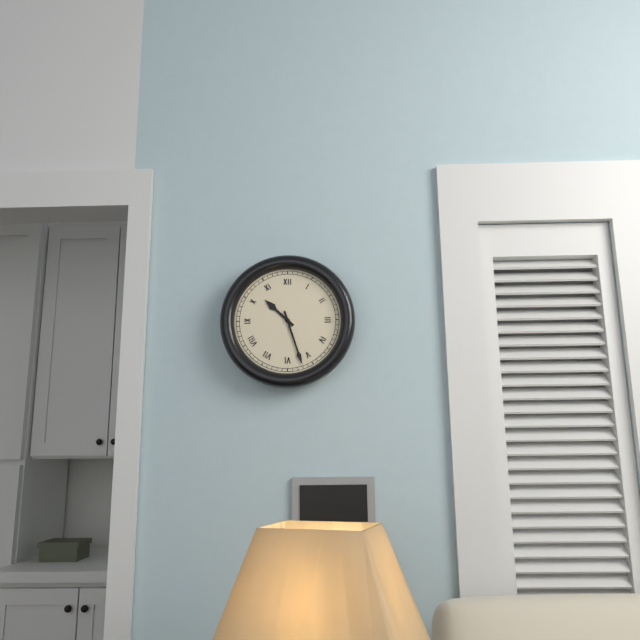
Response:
h=10 m=27
